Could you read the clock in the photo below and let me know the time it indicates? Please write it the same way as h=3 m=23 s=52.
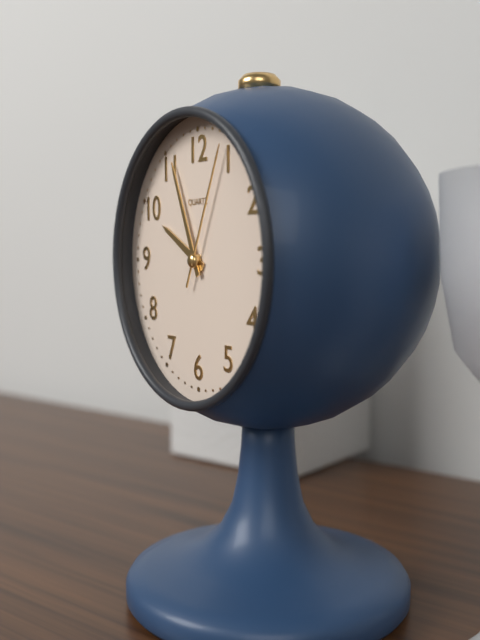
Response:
h=9 m=56 s=4
